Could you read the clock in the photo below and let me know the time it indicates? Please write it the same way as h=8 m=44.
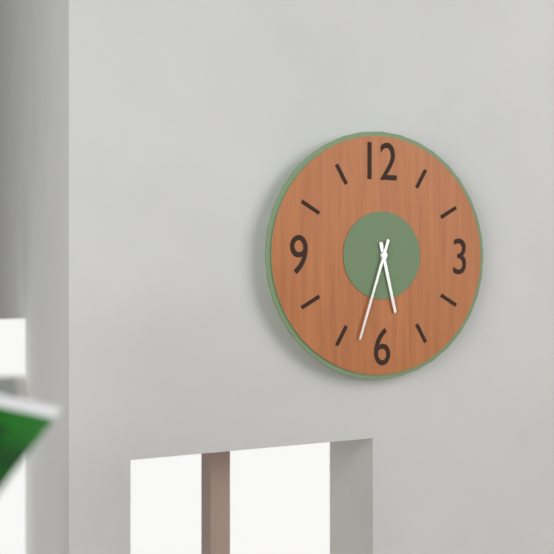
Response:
h=5 m=33
